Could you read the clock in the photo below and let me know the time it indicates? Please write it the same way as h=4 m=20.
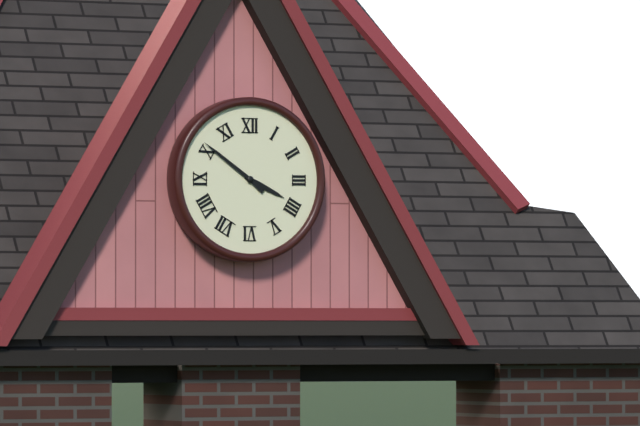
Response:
h=3 m=51
